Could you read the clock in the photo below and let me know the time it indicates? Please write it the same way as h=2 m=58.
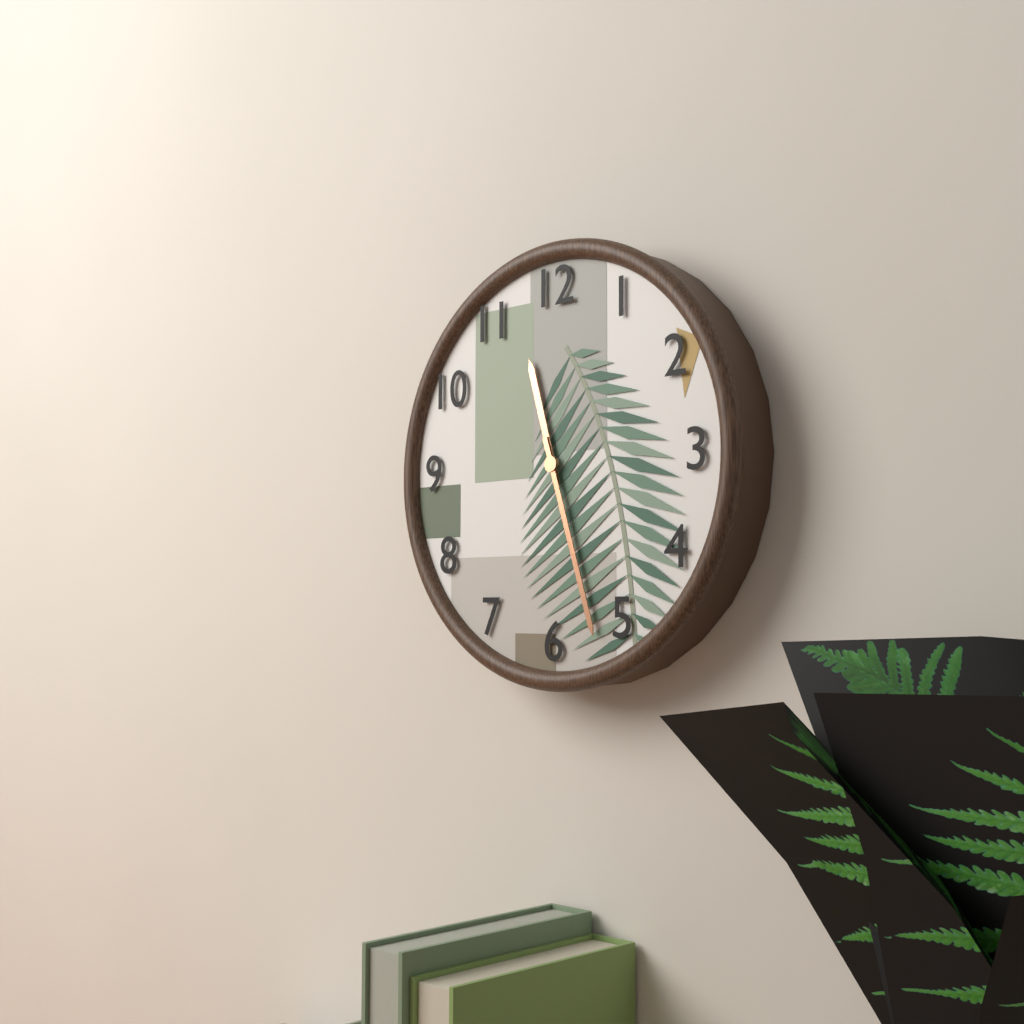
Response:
h=11 m=27
